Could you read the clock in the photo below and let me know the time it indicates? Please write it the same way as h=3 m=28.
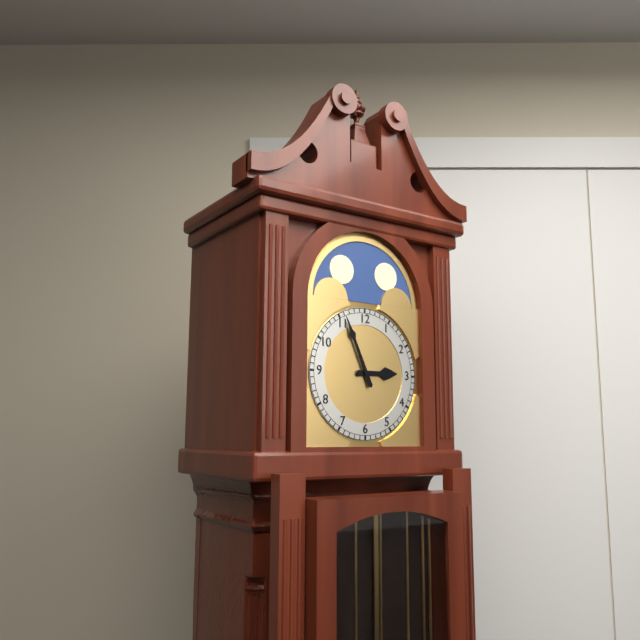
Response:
h=2 m=56
